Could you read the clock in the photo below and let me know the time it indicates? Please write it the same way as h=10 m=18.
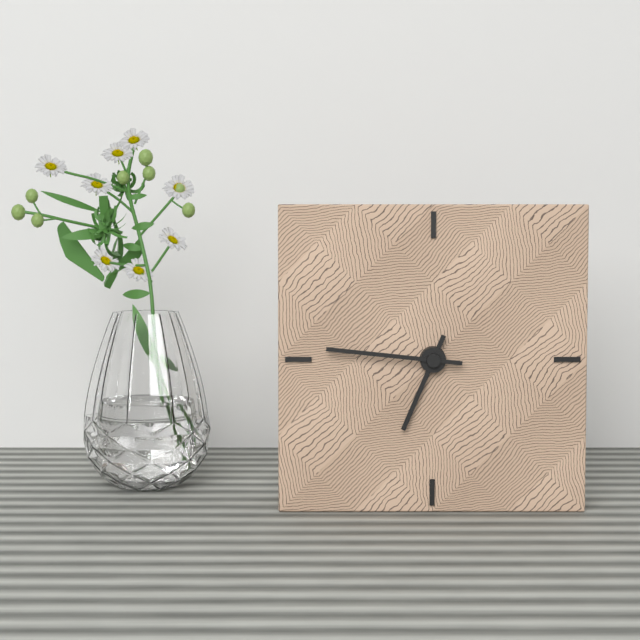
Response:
h=6 m=46
